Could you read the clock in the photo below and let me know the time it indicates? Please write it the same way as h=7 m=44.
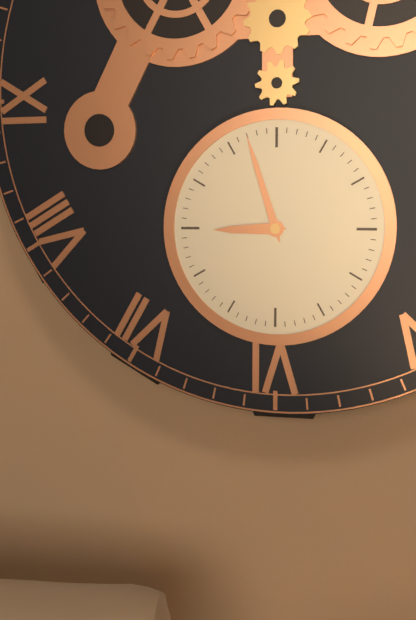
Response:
h=8 m=57
